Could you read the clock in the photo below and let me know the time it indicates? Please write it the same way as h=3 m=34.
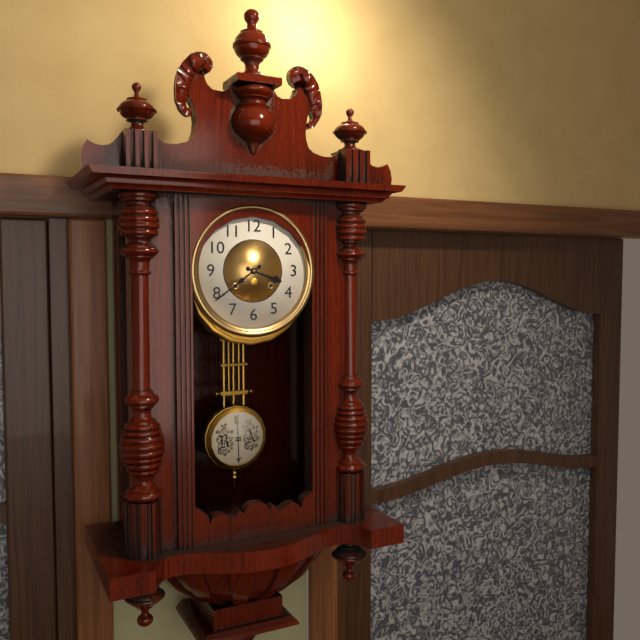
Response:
h=3 m=39
